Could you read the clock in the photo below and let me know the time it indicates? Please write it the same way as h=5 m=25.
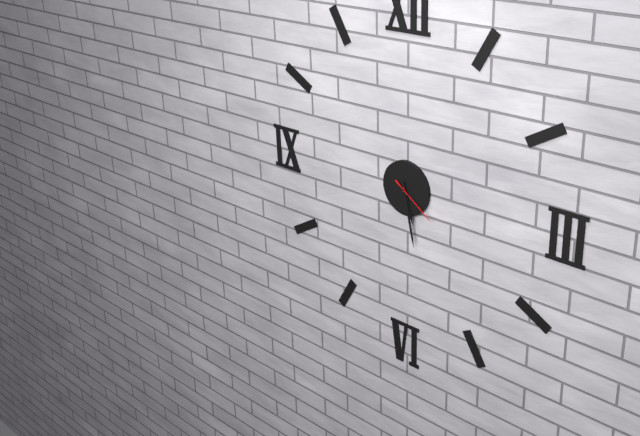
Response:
h=5 m=28
